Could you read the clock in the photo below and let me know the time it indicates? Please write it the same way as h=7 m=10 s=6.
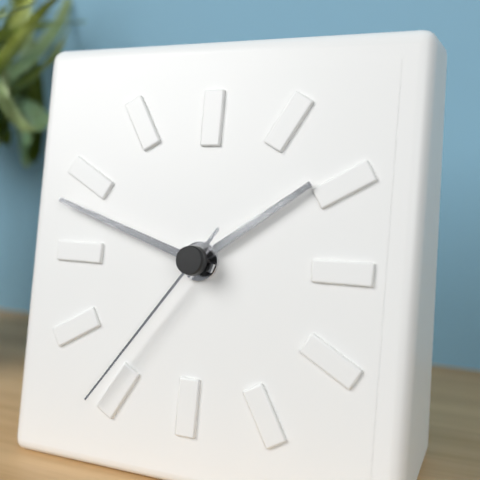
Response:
h=1 m=48 s=36
